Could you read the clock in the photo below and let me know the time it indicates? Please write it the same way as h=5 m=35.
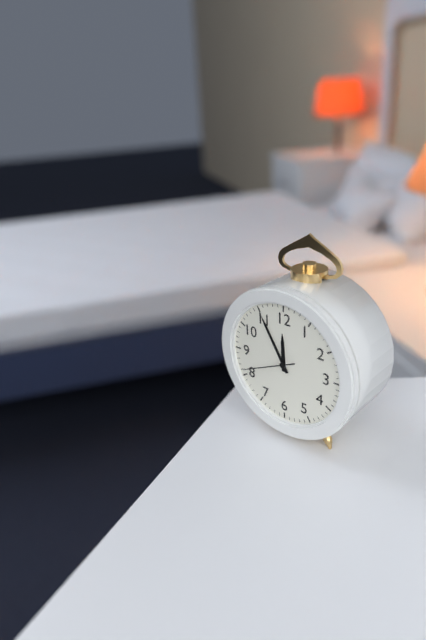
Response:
h=11 m=55
